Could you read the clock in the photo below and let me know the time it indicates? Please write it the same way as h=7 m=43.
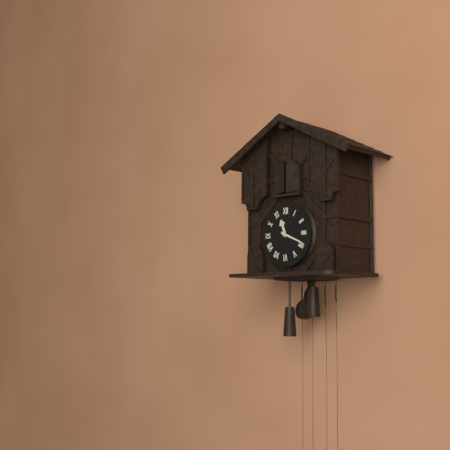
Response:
h=11 m=19
